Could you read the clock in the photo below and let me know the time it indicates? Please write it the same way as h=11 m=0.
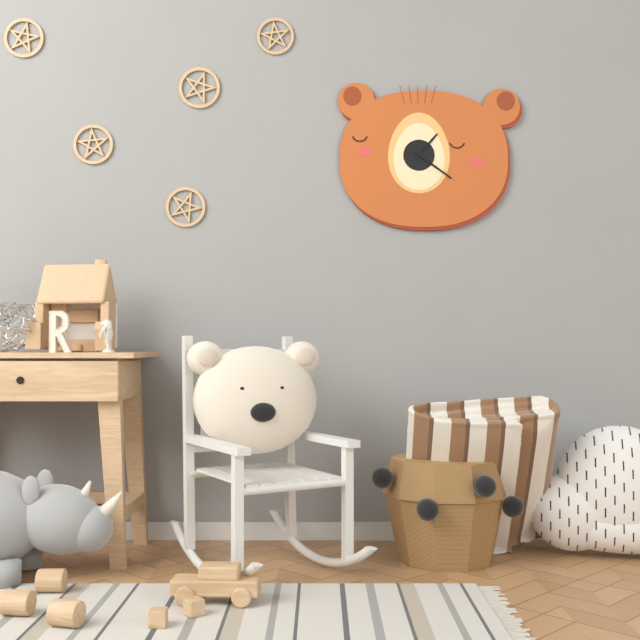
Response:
h=1 m=21
